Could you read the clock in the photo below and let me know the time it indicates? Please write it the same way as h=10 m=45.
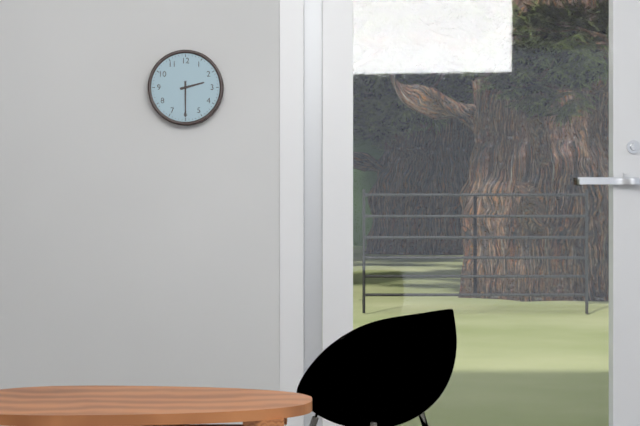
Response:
h=2 m=30
